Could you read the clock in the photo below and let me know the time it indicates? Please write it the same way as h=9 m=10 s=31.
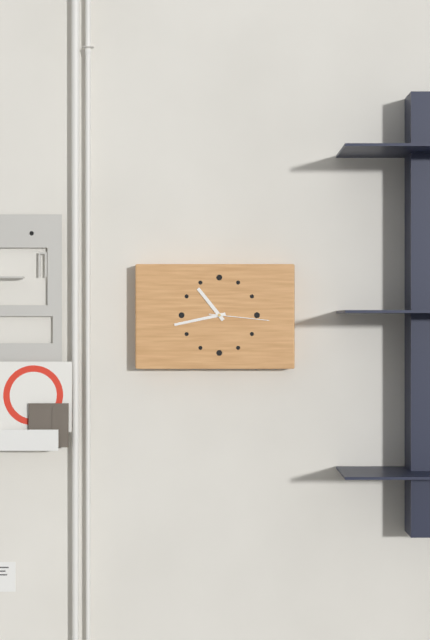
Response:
h=10 m=43 s=16
